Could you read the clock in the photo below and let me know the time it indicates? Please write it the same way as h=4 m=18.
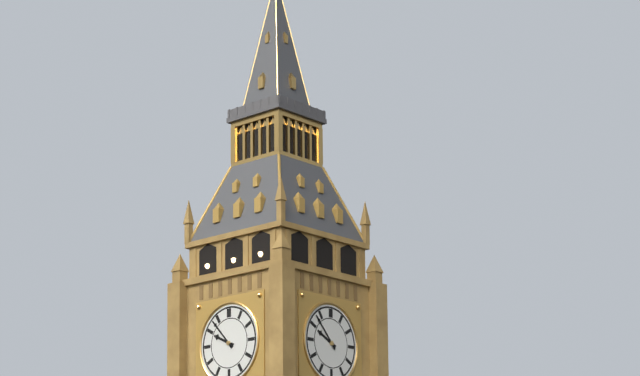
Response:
h=9 m=53
